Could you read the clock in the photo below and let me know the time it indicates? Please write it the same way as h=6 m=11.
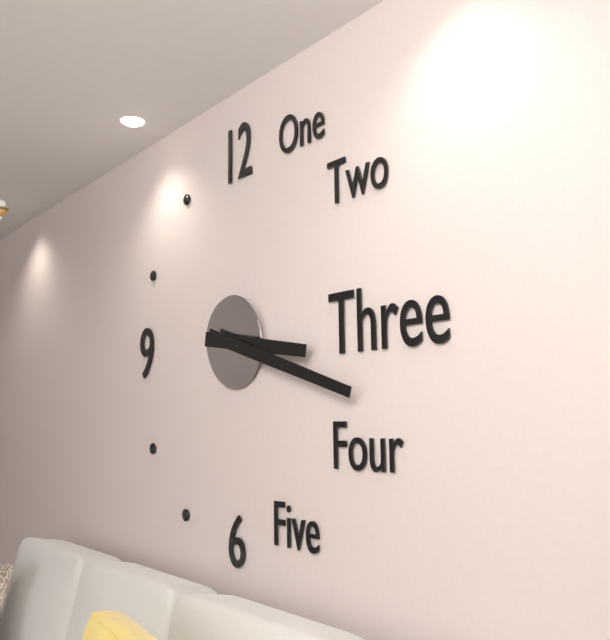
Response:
h=3 m=18
